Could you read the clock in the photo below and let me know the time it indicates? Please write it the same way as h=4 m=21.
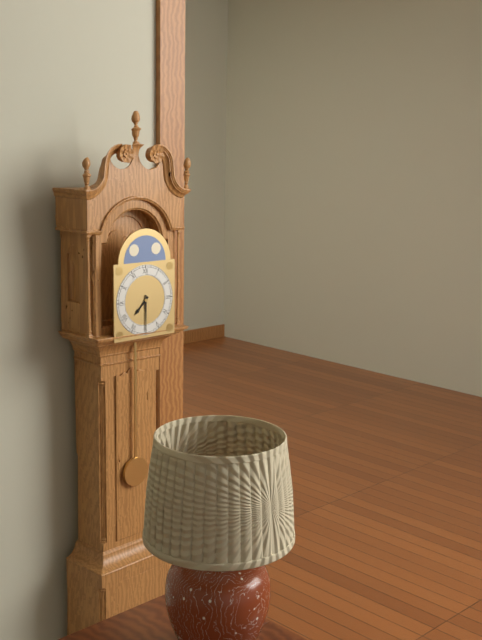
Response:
h=7 m=30
